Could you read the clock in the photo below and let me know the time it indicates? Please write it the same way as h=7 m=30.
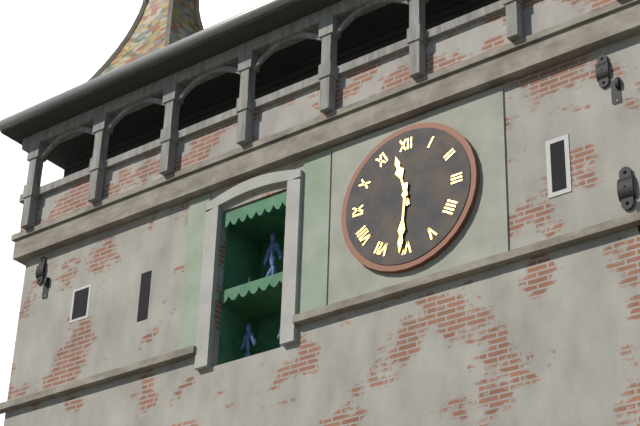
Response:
h=11 m=31
